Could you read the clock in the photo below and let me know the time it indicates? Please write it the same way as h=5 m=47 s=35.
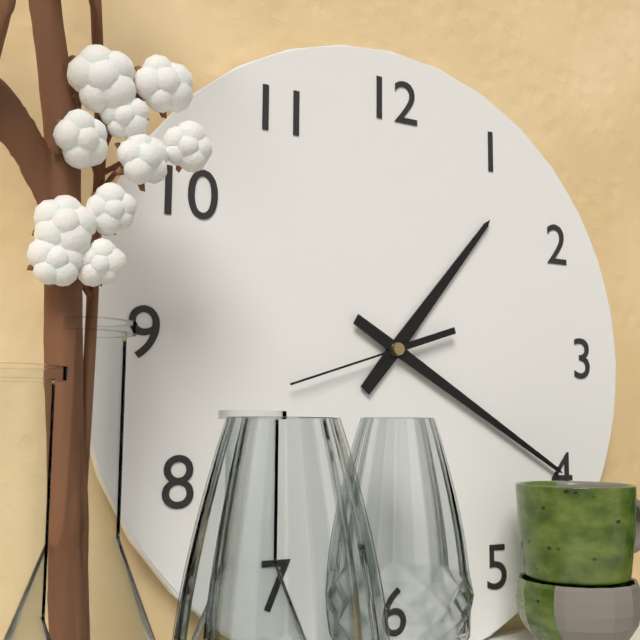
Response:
h=1 m=20 s=42
